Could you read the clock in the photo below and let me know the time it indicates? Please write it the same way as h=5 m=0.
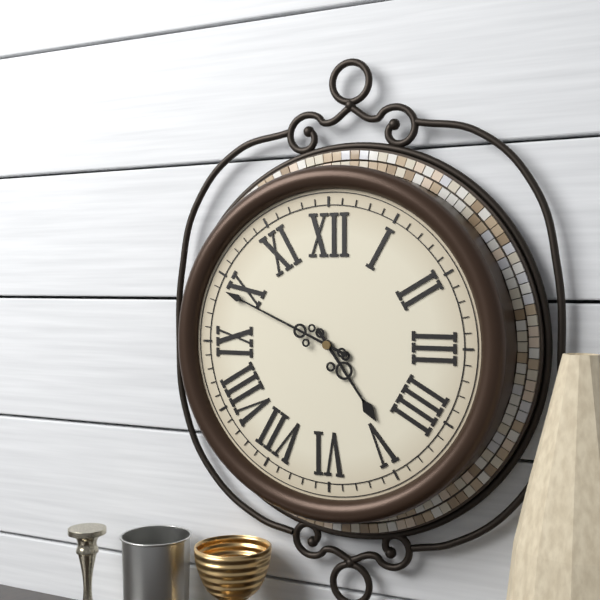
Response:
h=4 m=49
